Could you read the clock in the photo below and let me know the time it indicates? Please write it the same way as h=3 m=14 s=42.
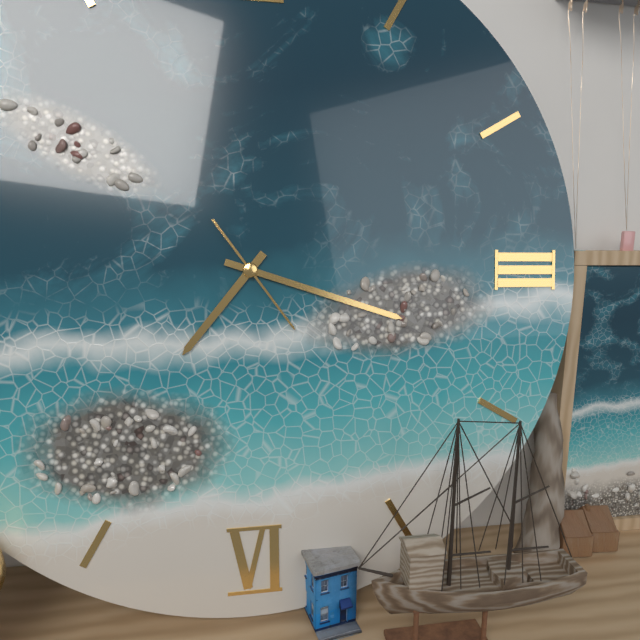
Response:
h=7 m=18 s=24
